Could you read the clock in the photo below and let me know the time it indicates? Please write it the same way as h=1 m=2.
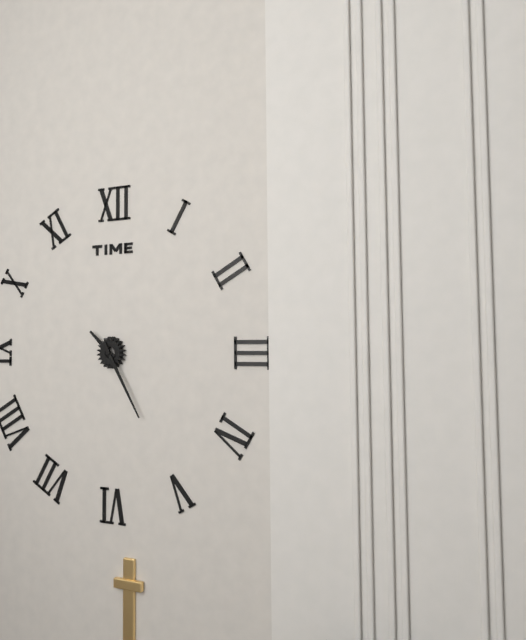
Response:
h=10 m=25
